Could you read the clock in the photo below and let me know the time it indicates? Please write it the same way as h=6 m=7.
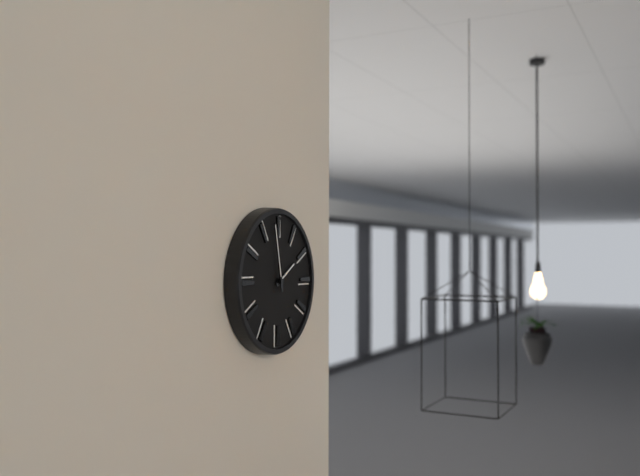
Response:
h=1 m=58
